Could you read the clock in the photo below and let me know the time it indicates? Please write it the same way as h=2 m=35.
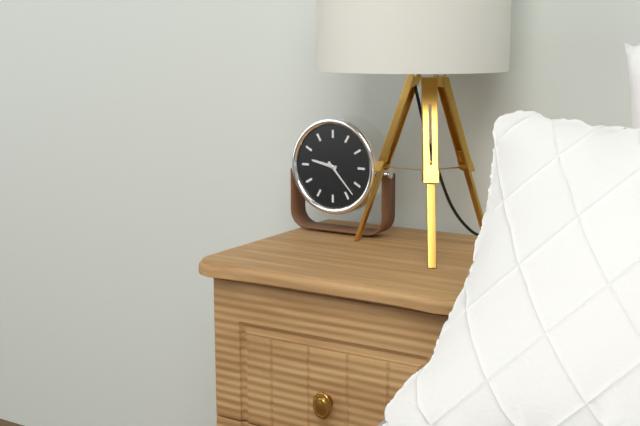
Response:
h=9 m=23
